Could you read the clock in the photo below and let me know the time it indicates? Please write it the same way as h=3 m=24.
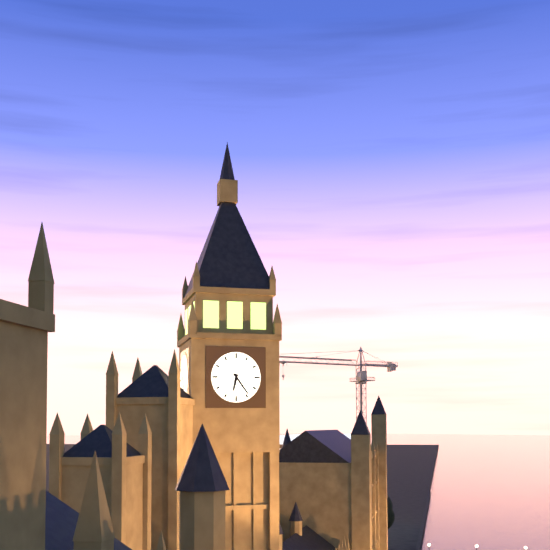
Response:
h=6 m=24
